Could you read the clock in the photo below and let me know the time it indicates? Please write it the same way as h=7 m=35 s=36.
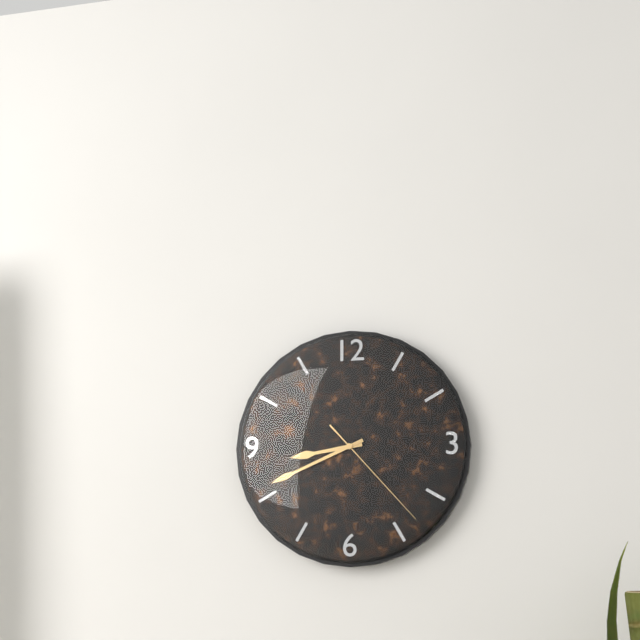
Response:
h=8 m=41 s=23
